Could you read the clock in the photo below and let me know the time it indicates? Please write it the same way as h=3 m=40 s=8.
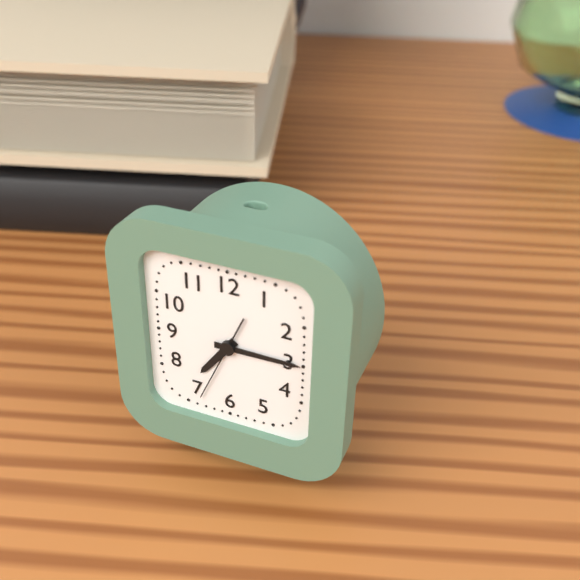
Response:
h=7 m=15 s=34
